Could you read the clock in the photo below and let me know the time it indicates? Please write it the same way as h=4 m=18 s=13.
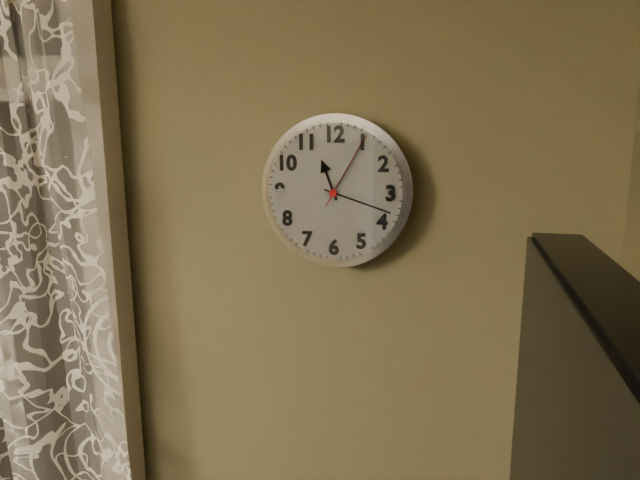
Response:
h=11 m=18 s=5
